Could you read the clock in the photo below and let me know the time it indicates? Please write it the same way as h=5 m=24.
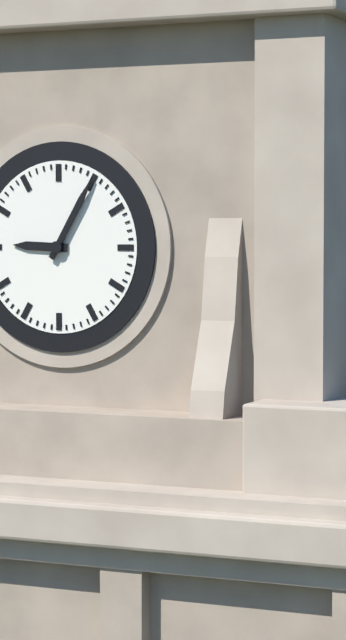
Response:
h=9 m=5
